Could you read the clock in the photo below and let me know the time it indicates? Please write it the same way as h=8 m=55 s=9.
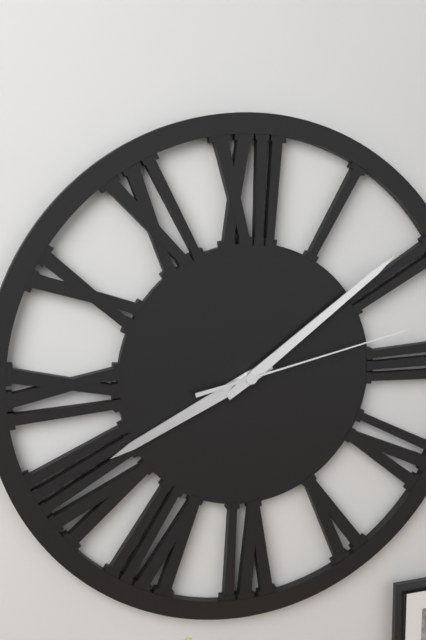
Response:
h=8 m=9 s=13
